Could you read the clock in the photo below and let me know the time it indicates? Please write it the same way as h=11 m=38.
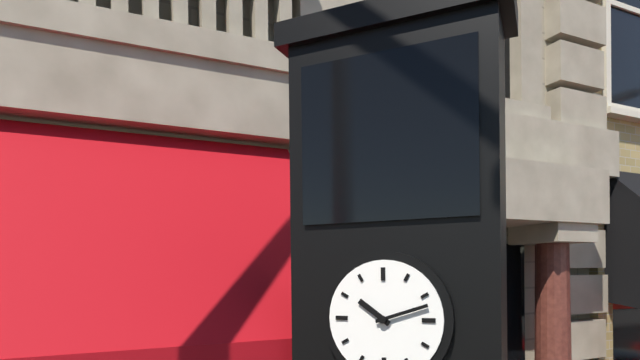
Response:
h=10 m=12
